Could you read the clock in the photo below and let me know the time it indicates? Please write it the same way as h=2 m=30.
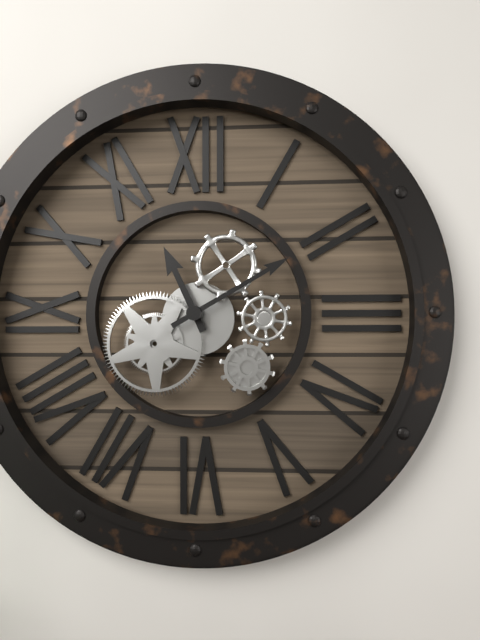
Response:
h=11 m=10
